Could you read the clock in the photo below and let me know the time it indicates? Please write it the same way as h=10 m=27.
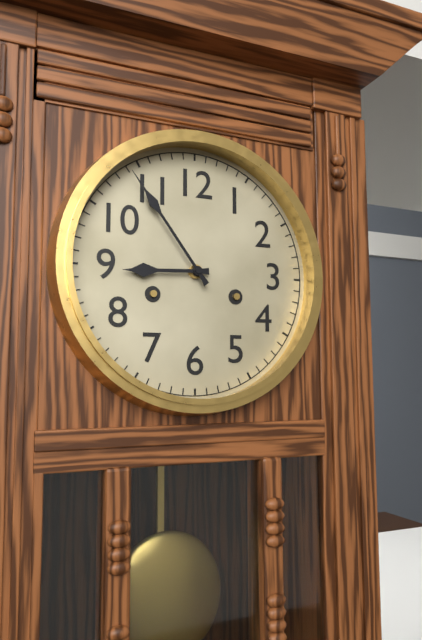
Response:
h=8 m=54
